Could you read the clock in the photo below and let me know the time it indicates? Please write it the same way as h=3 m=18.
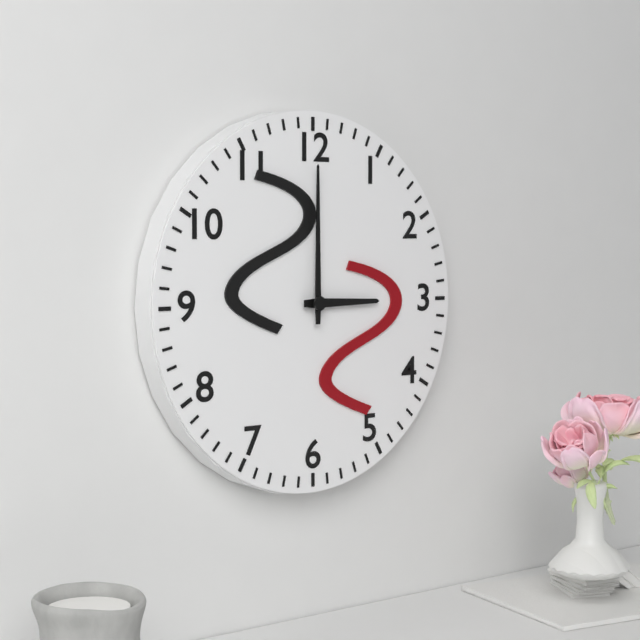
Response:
h=3 m=0
